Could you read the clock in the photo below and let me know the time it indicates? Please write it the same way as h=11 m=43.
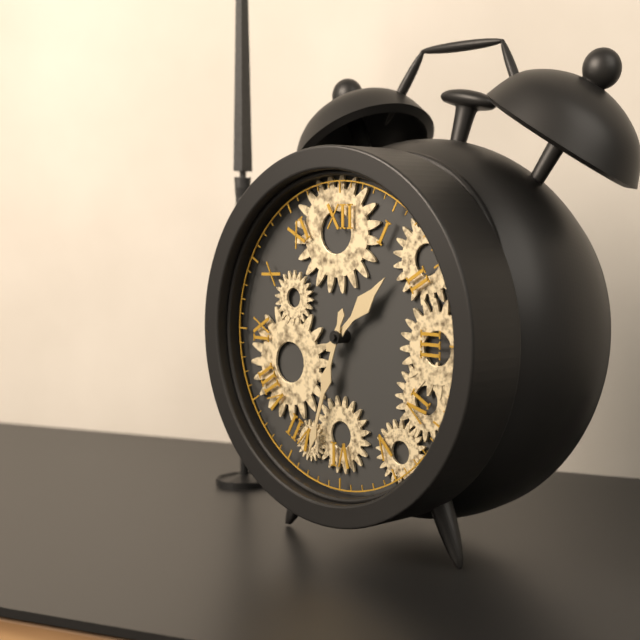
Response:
h=1 m=33
